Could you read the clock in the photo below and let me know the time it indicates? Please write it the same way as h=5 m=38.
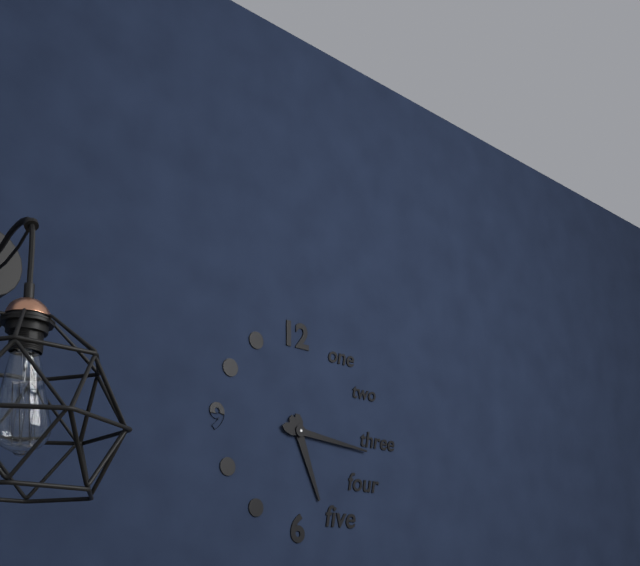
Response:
h=5 m=16
